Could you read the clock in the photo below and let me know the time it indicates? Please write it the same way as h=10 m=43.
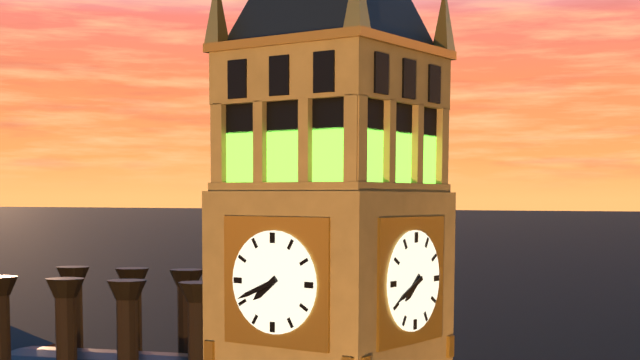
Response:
h=7 m=41
